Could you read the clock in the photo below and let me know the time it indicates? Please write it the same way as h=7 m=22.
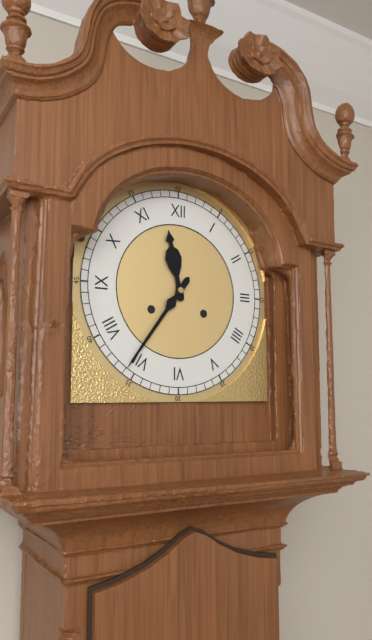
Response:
h=11 m=36
